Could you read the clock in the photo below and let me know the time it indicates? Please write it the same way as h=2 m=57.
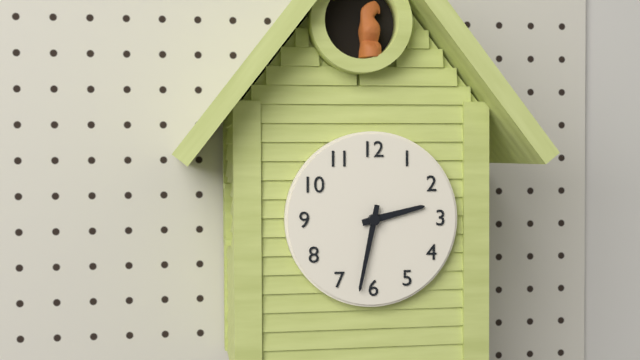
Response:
h=2 m=32
